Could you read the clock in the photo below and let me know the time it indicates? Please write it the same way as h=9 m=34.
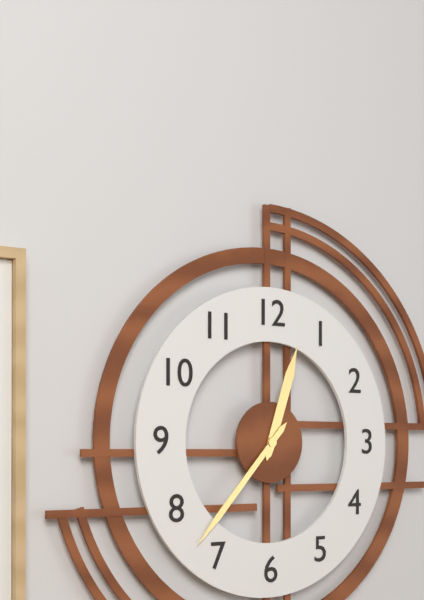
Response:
h=12 m=37
